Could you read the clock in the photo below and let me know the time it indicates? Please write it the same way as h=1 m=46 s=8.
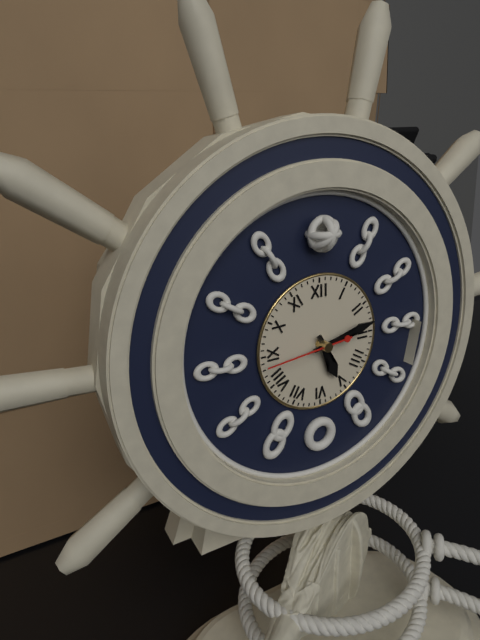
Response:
h=5 m=13 s=44
